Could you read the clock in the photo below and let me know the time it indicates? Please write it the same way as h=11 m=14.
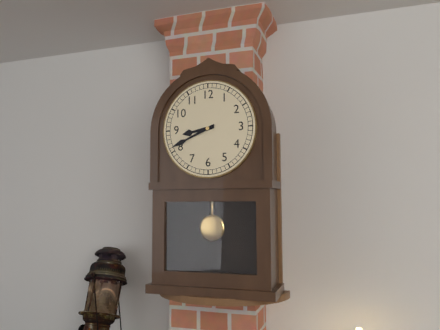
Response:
h=8 m=41
